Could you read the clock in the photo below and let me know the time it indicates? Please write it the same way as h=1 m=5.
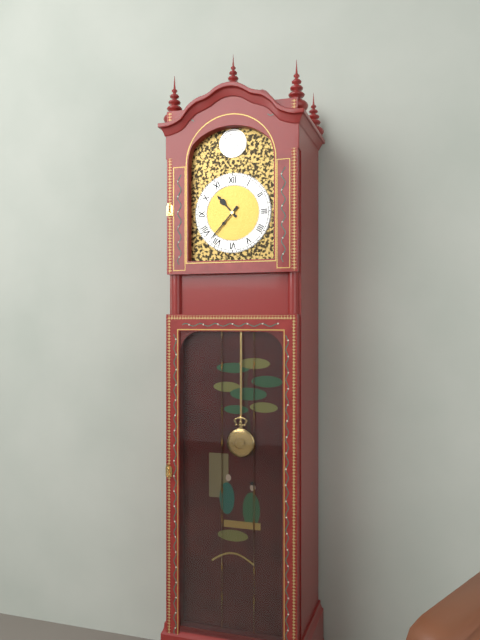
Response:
h=10 m=37
